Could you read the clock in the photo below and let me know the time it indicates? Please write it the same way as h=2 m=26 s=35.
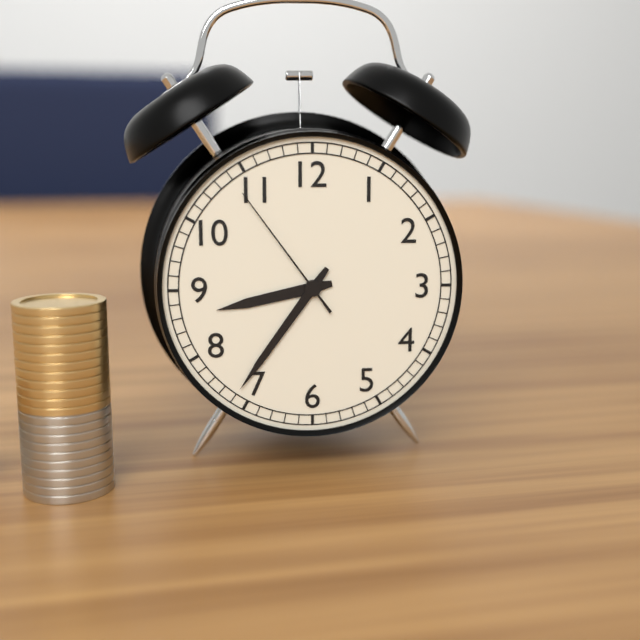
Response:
h=8 m=36 s=54
